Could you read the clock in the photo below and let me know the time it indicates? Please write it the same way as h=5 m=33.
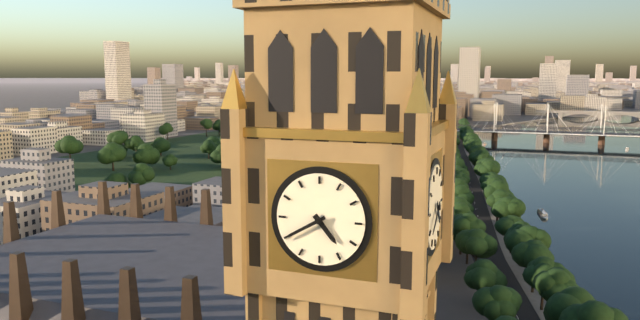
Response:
h=4 m=40
